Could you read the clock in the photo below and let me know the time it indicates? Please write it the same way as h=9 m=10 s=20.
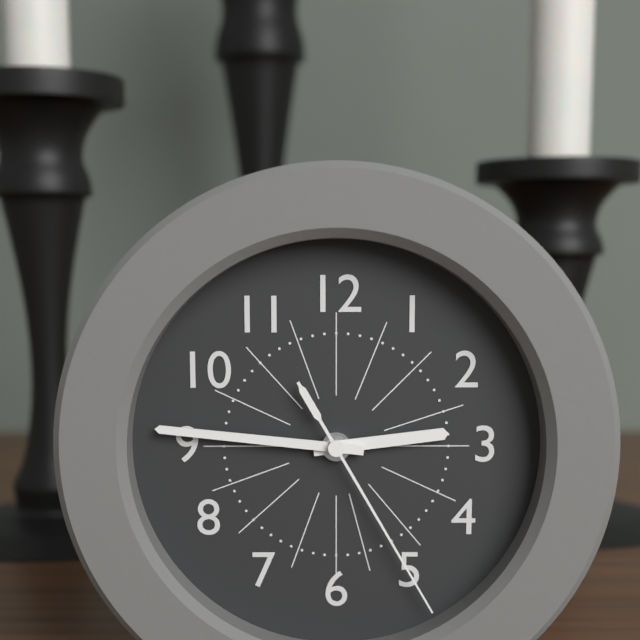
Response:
h=2 m=46 s=25
